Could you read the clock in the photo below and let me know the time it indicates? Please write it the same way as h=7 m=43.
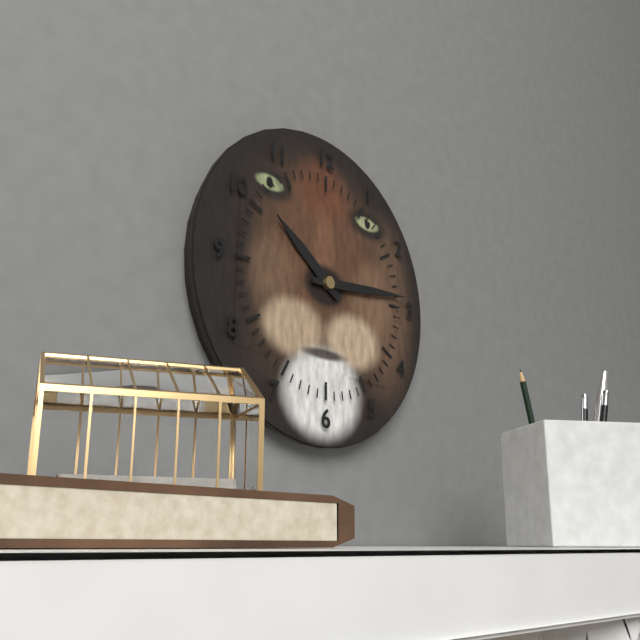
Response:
h=10 m=14
